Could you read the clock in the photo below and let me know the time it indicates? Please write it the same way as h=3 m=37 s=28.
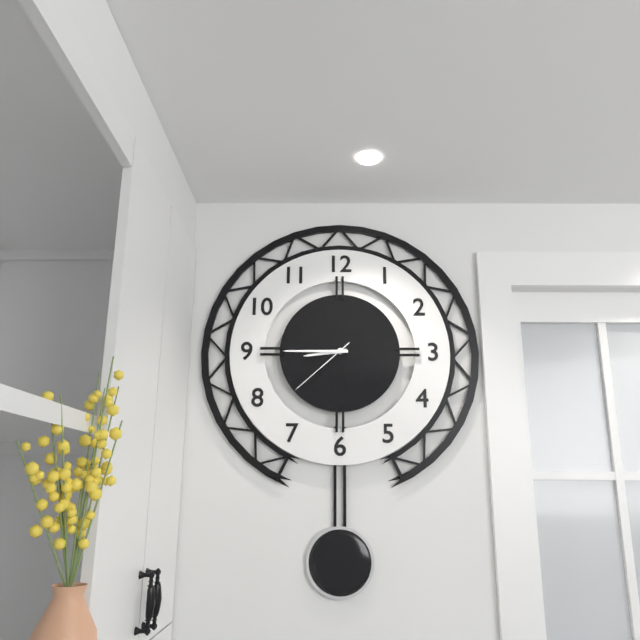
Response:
h=8 m=45 s=38
